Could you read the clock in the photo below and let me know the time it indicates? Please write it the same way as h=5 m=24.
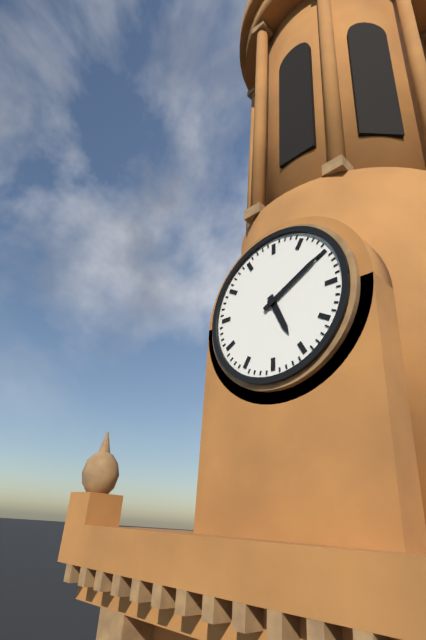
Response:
h=5 m=10
